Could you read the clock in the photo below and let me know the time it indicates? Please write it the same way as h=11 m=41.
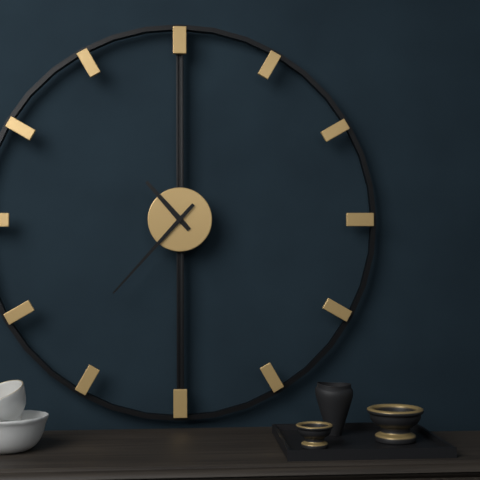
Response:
h=10 m=37
